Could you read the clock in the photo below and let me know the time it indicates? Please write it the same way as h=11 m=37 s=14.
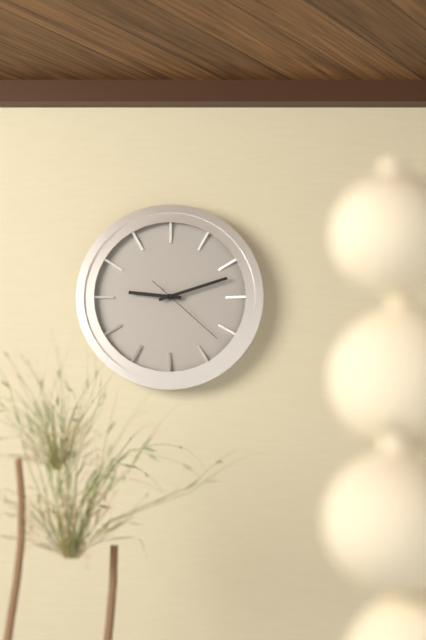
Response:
h=9 m=12 s=22
